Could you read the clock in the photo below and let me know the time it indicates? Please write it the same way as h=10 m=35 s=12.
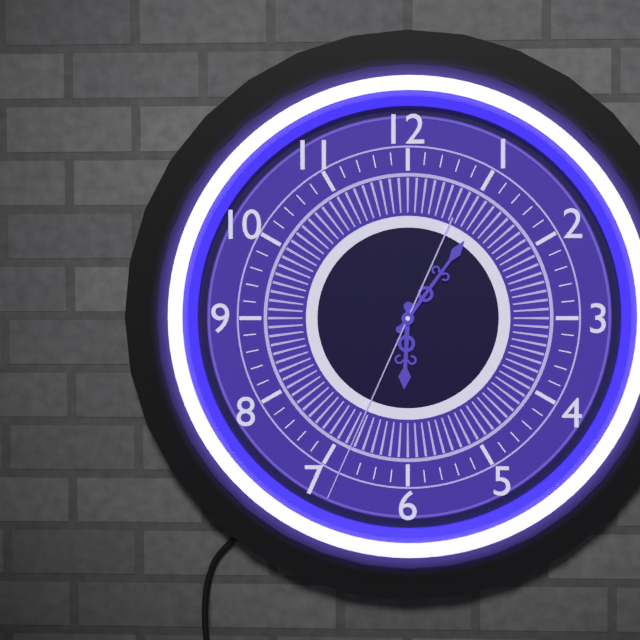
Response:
h=6 m=6 s=34
